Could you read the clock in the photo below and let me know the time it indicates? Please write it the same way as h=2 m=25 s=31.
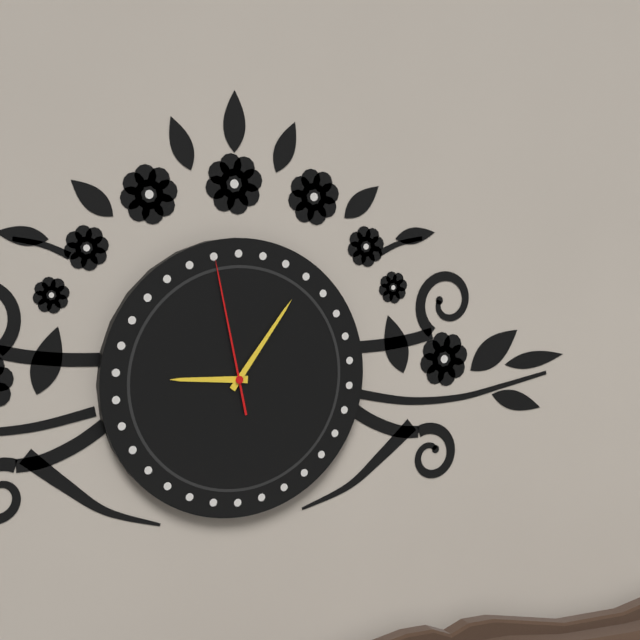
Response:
h=9 m=6 s=58
